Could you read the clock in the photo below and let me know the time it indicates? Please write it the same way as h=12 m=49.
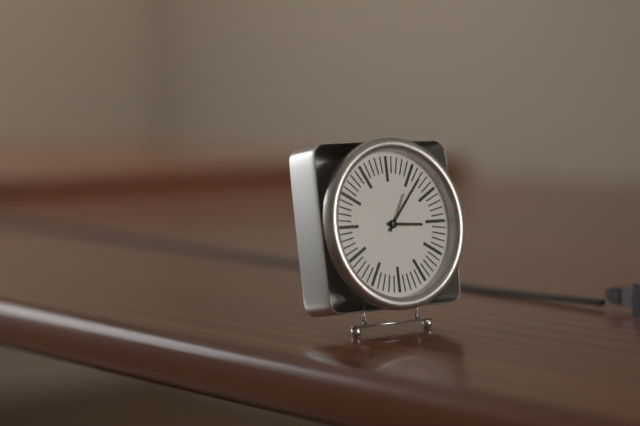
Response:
h=3 m=7
